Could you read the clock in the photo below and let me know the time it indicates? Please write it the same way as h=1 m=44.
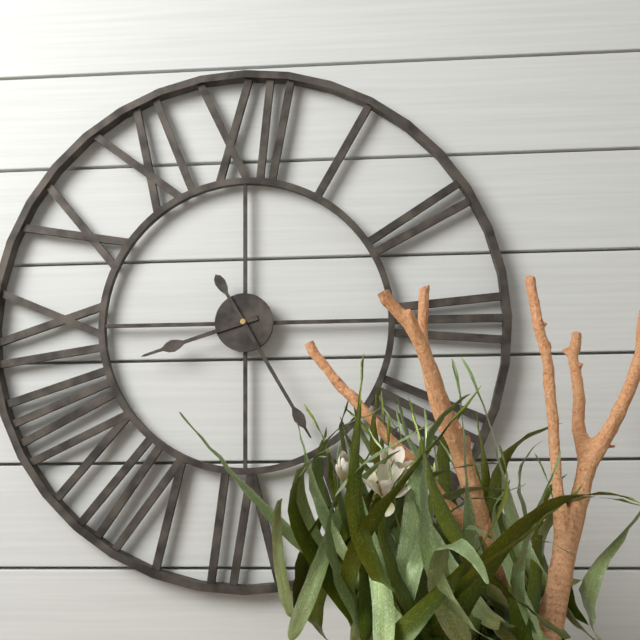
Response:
h=8 m=25
